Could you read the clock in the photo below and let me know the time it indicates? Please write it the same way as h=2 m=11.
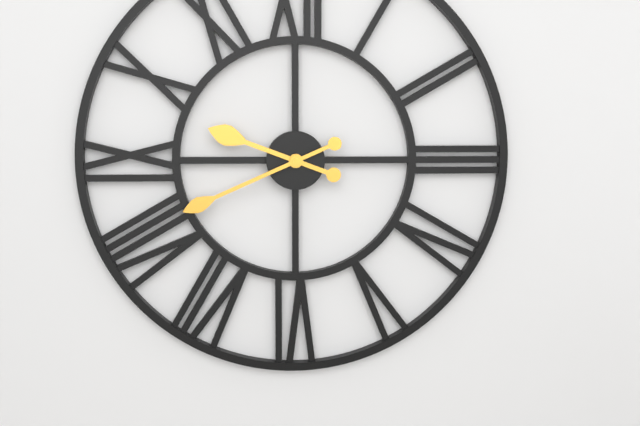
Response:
h=9 m=41
